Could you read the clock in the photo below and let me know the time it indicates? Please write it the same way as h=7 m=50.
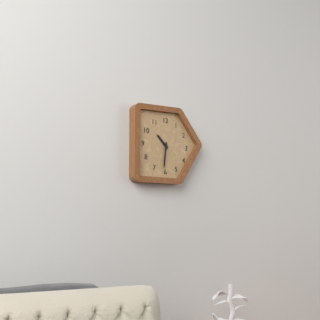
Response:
h=10 m=31
